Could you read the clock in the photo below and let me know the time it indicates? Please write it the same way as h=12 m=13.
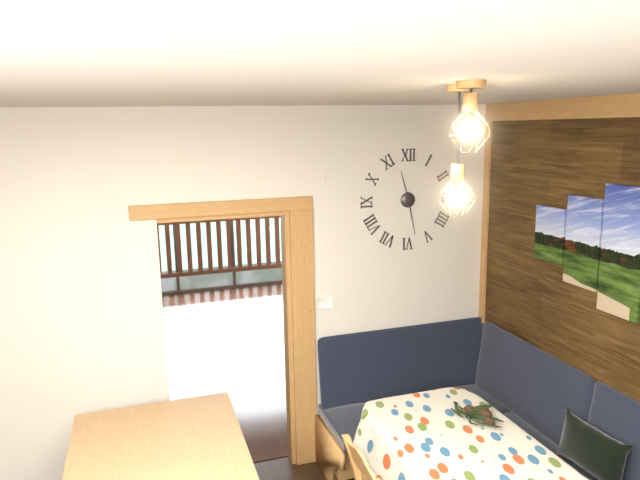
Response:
h=11 m=28
